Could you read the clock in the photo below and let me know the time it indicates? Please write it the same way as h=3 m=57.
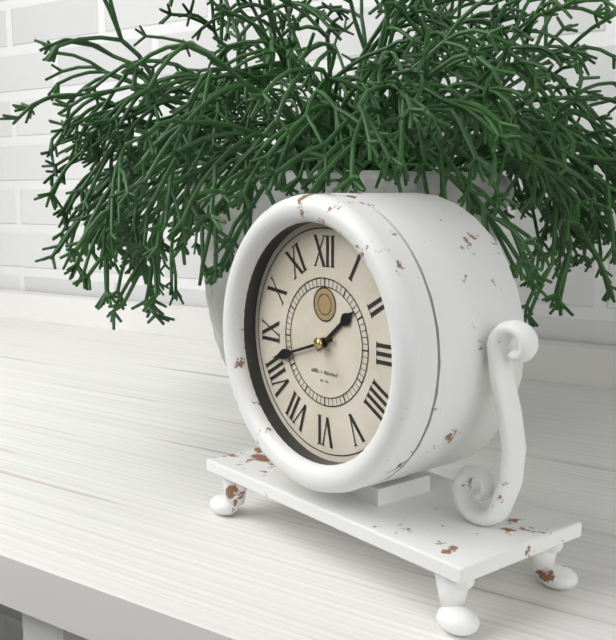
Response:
h=1 m=42
